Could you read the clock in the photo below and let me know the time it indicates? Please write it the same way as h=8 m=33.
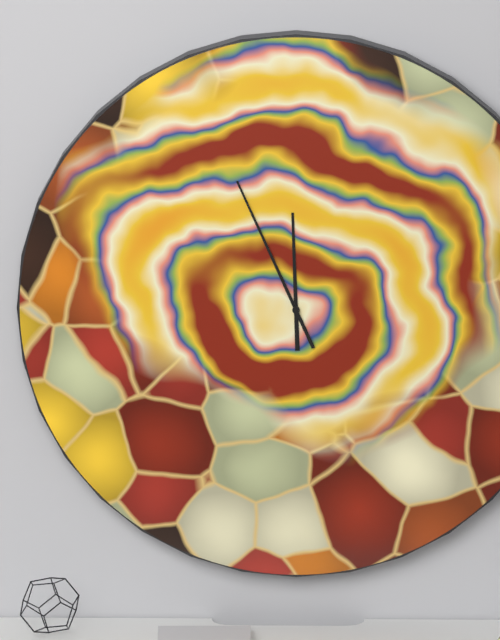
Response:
h=11 m=56
